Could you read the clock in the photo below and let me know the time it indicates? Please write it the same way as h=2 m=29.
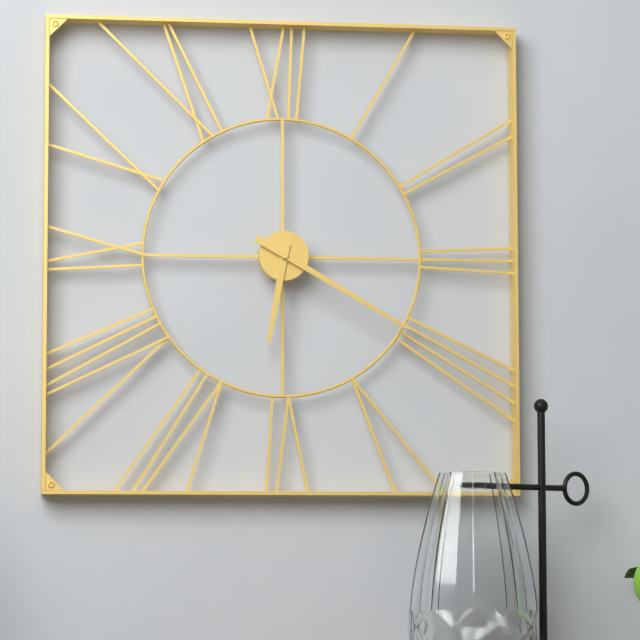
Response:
h=6 m=20
